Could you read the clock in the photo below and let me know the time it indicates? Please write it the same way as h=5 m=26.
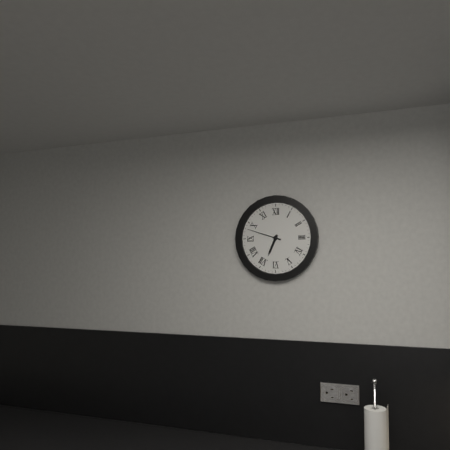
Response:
h=6 m=48
